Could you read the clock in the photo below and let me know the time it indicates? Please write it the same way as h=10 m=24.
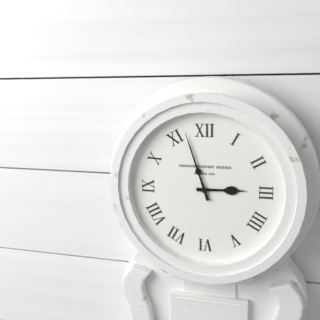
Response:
h=2 m=57
